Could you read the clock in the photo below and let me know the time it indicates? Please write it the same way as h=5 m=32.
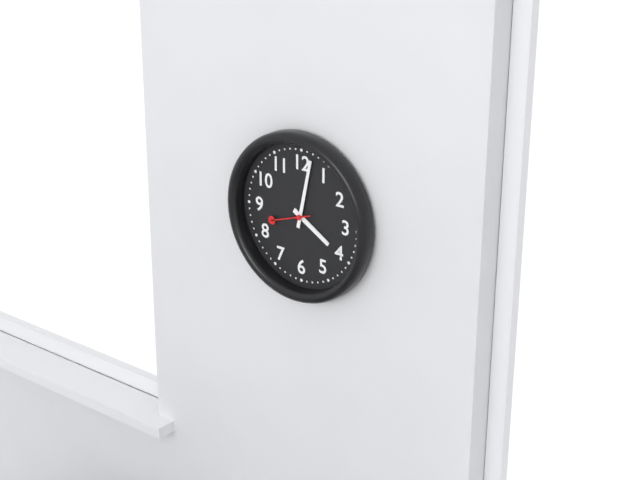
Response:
h=4 m=2
